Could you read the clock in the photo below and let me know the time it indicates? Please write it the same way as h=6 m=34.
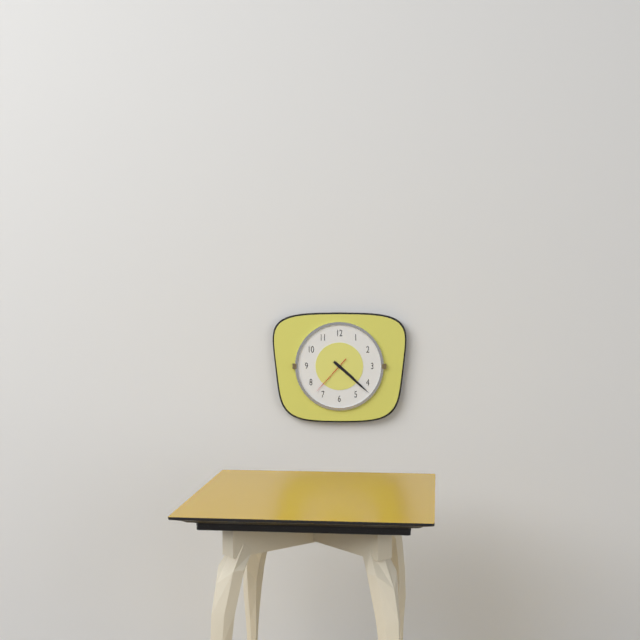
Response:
h=4 m=22
